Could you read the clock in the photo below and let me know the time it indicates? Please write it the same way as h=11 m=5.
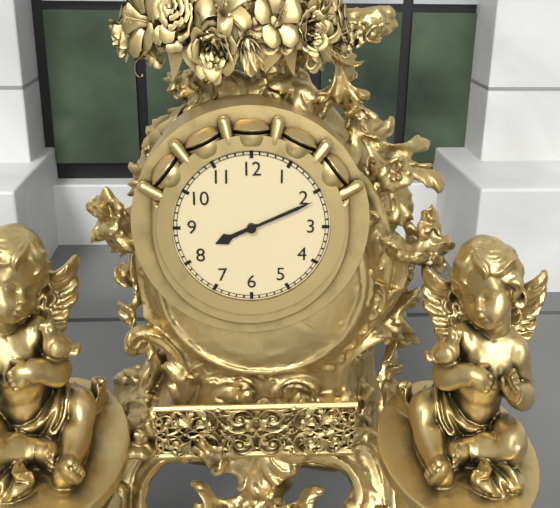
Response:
h=8 m=11
